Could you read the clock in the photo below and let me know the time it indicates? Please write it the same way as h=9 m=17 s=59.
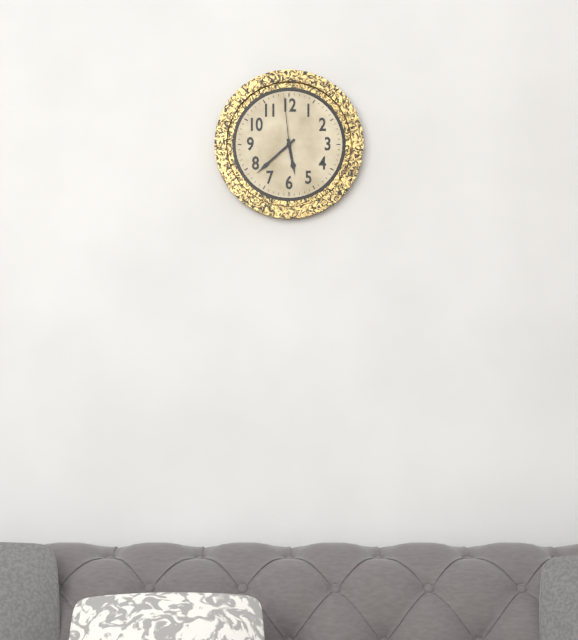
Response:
h=5 m=38 s=59
